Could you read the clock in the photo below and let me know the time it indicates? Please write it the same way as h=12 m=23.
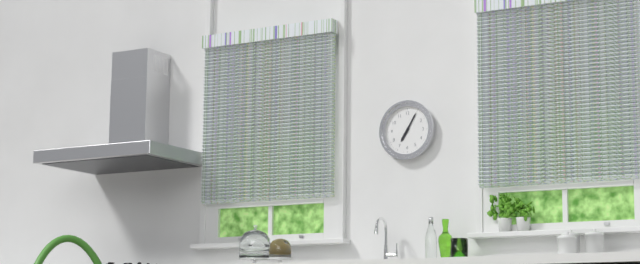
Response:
h=7 m=5
